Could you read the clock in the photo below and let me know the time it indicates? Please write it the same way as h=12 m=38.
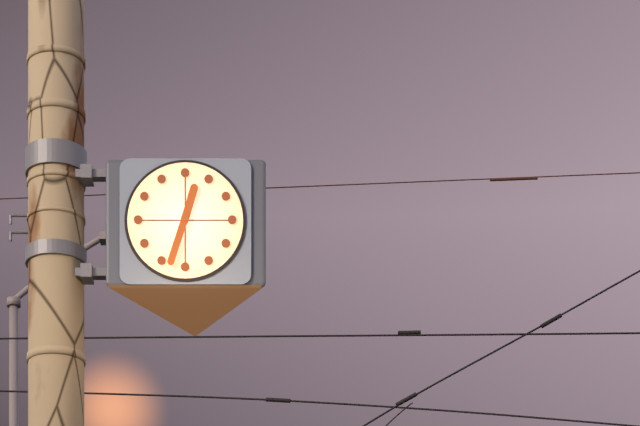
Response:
h=12 m=33
